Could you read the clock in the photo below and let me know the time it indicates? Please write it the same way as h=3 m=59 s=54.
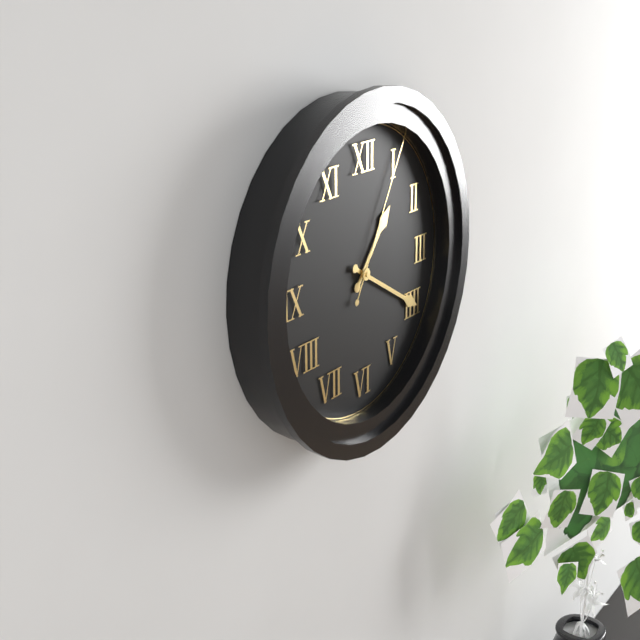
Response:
h=1 m=20 s=5
